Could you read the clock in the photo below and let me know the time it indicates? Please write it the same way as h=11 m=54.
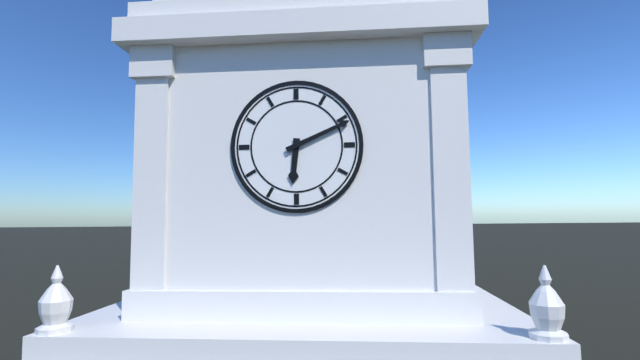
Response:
h=6 m=11
